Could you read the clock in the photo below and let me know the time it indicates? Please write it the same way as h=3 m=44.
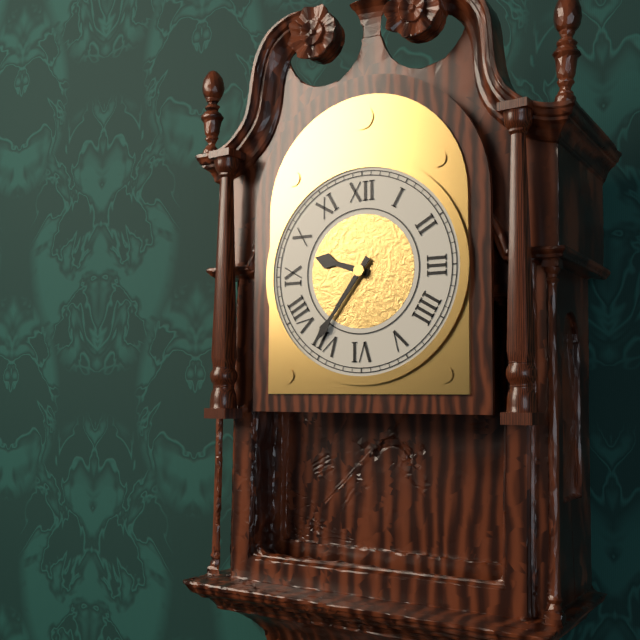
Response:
h=9 m=36
